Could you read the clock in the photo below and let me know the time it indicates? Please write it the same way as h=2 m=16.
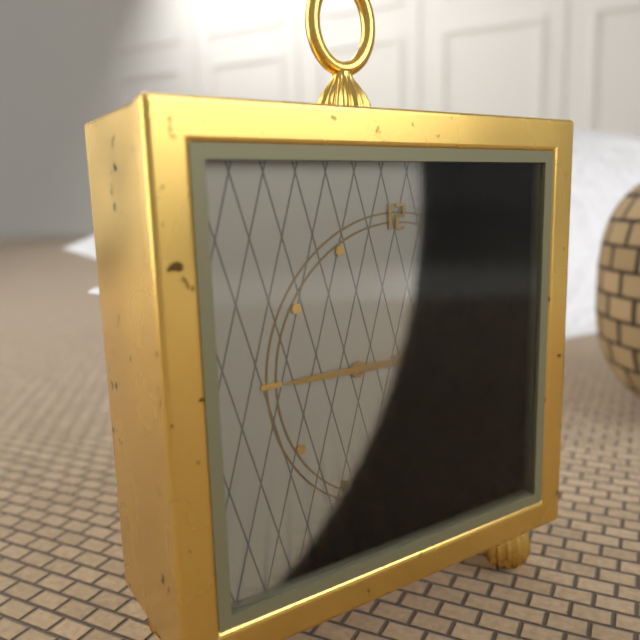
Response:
h=2 m=45
